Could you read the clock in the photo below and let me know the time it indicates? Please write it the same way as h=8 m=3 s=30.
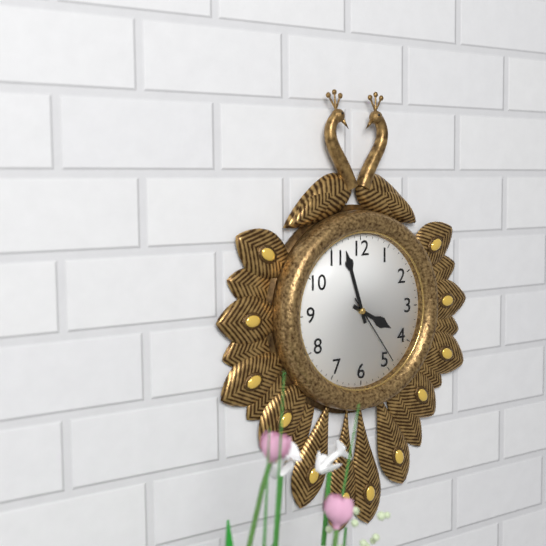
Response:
h=3 m=57 s=24
